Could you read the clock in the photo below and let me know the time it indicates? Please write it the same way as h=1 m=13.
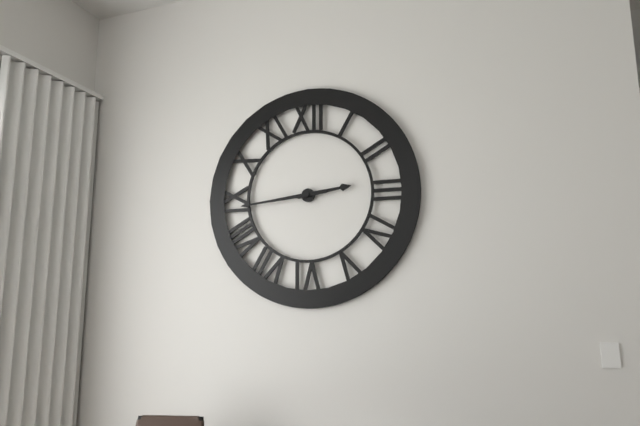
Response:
h=2 m=44
